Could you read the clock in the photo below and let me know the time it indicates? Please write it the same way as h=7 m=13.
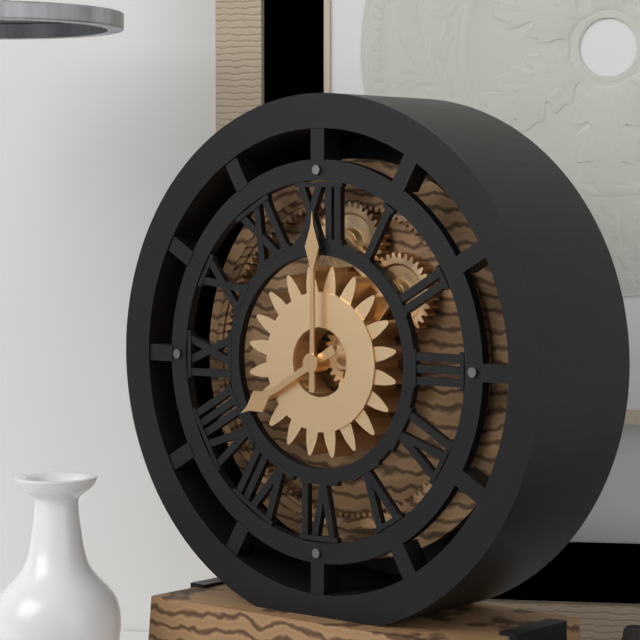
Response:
h=8 m=0
